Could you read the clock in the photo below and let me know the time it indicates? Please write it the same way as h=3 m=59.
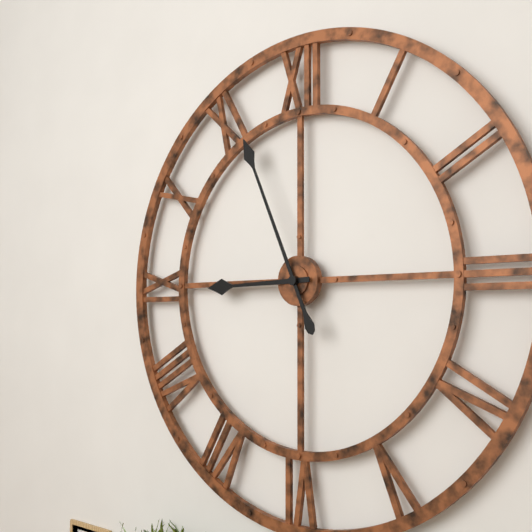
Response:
h=8 m=56
